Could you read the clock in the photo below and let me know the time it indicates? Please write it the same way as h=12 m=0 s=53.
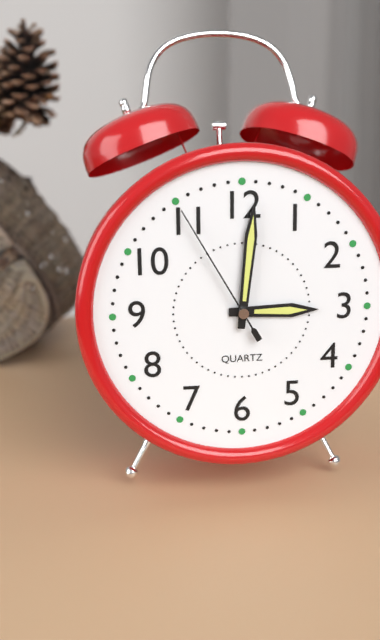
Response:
h=3 m=1 s=55
